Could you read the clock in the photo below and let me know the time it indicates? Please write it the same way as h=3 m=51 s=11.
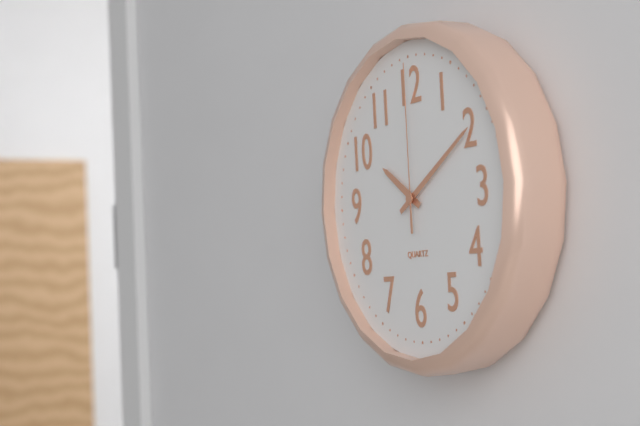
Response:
h=10 m=10 s=0
